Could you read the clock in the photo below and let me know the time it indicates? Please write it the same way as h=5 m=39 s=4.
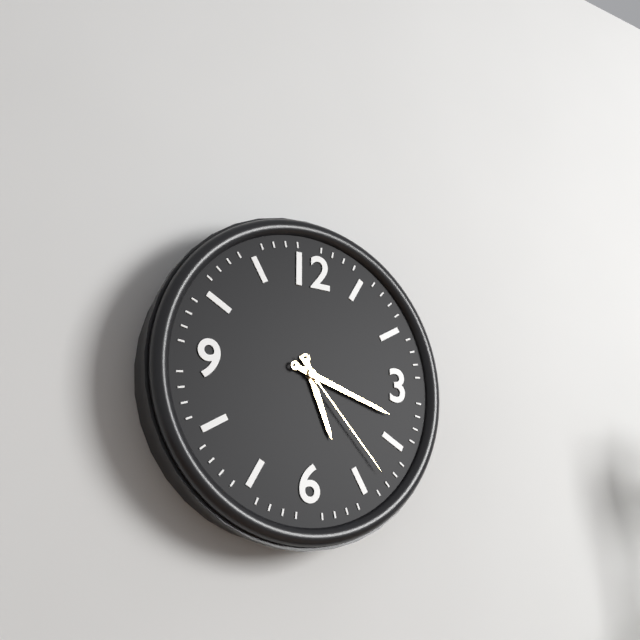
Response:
h=5 m=18 s=23
